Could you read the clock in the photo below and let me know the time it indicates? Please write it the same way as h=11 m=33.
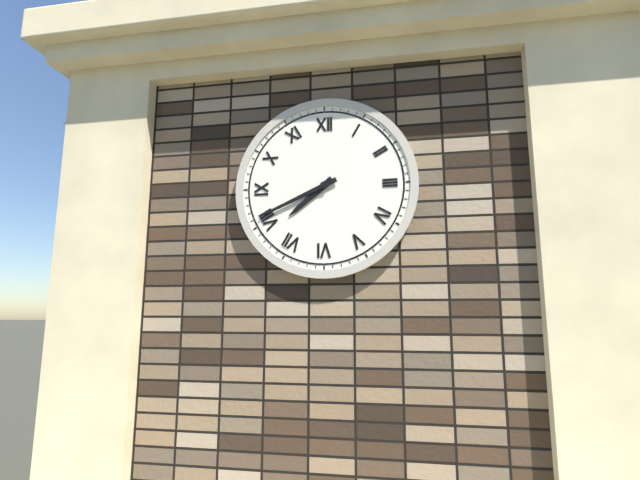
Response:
h=7 m=41
